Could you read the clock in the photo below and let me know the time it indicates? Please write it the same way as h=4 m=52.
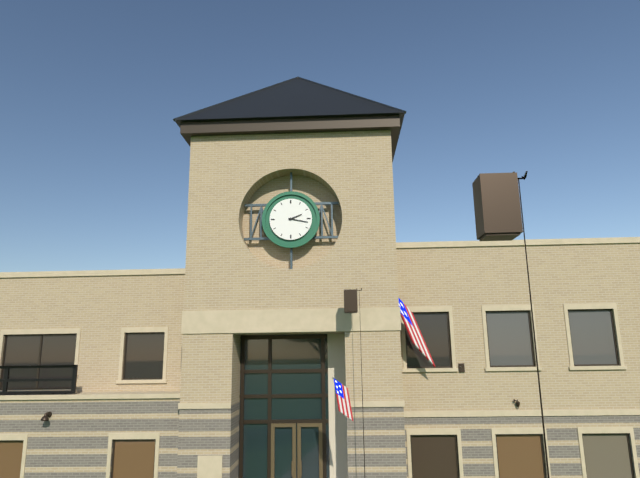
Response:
h=2 m=17
